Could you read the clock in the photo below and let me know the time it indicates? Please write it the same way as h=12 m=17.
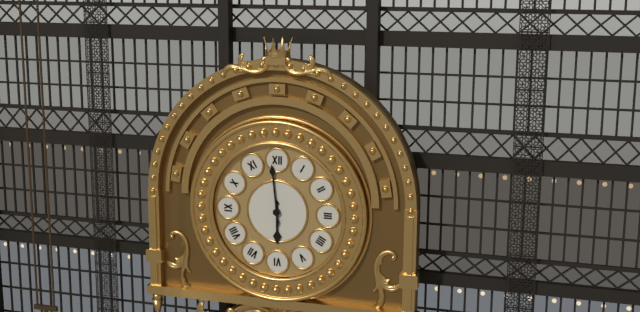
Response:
h=5 m=59
